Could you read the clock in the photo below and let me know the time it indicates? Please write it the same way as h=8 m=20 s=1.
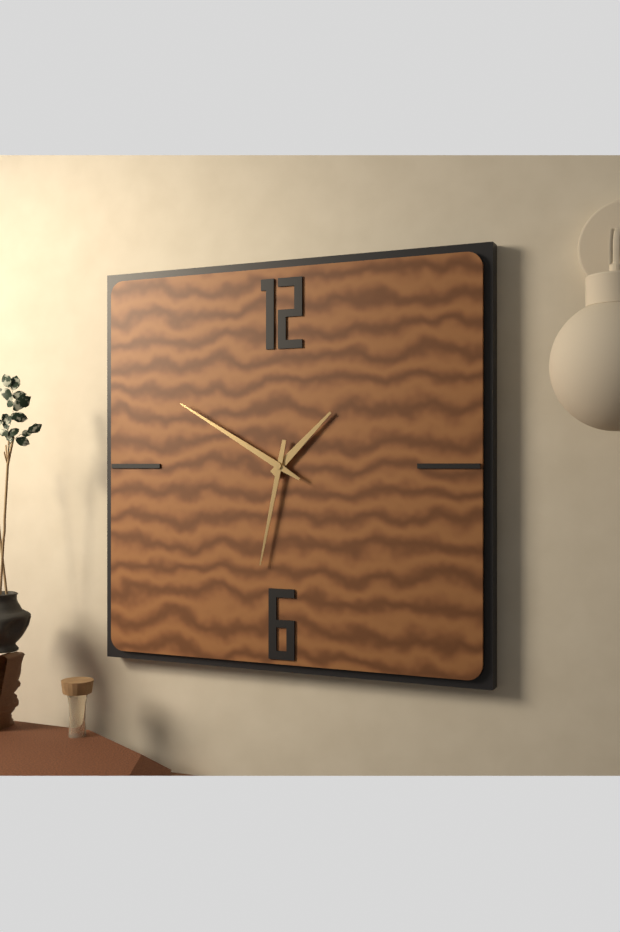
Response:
h=1 m=32 s=50
